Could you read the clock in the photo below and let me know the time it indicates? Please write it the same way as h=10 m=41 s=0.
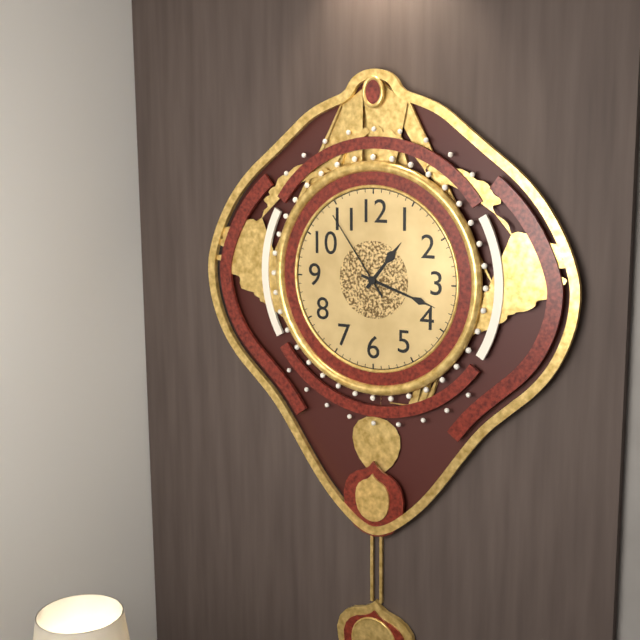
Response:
h=1 m=18 s=54
